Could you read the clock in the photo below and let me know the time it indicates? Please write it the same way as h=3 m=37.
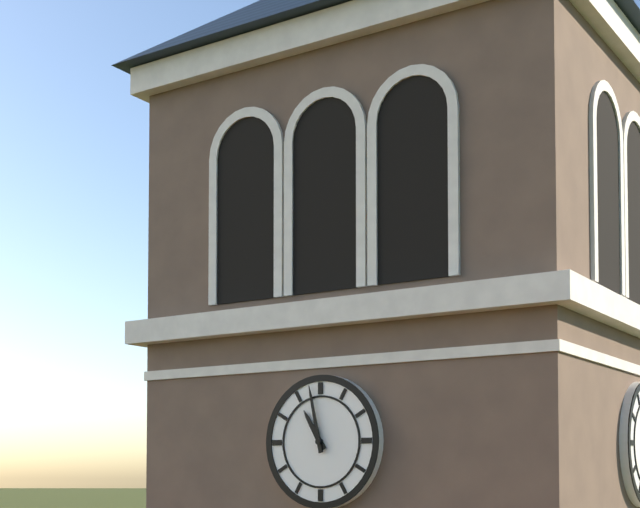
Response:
h=10 m=58
